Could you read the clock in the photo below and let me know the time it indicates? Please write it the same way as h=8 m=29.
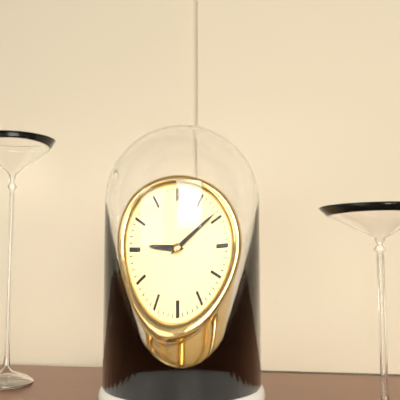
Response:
h=9 m=9
